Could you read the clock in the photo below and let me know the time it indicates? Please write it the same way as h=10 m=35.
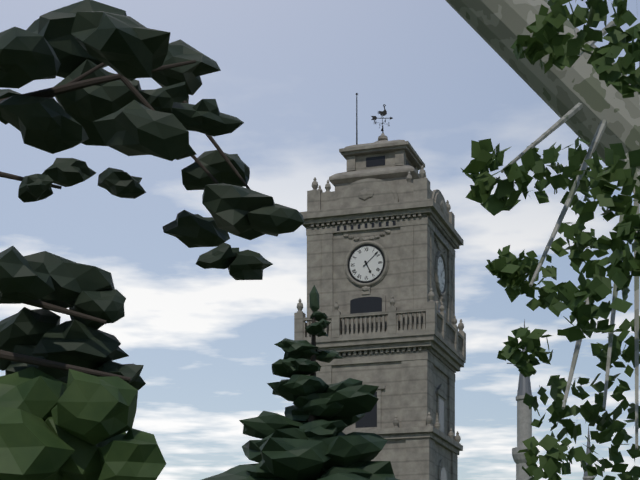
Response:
h=5 m=8
